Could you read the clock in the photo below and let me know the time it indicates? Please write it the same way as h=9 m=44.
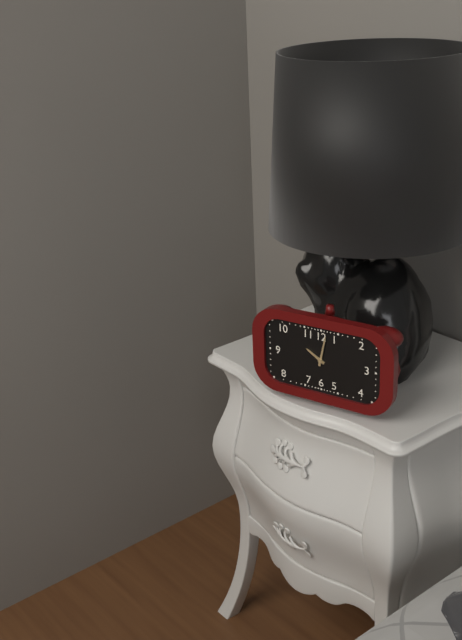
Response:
h=10 m=2
